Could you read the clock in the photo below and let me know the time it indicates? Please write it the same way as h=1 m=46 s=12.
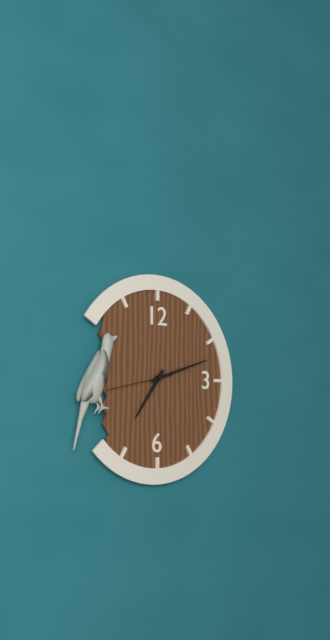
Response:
h=7 m=12 s=43
